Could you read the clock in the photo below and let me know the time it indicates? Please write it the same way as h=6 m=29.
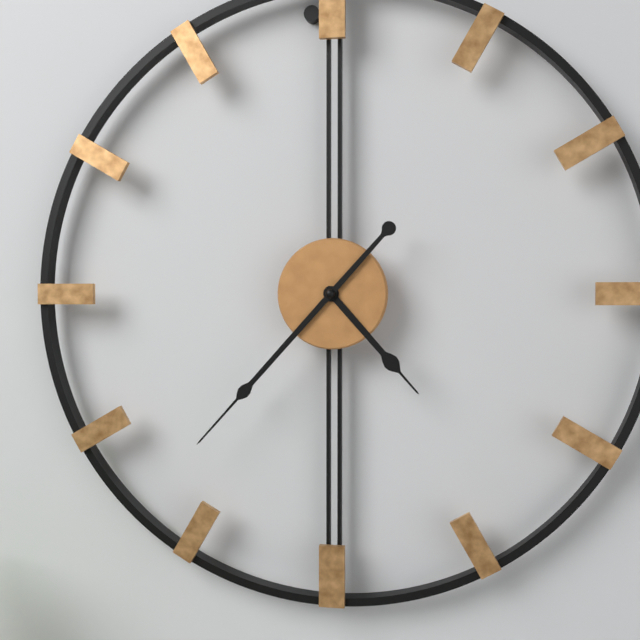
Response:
h=4 m=37
